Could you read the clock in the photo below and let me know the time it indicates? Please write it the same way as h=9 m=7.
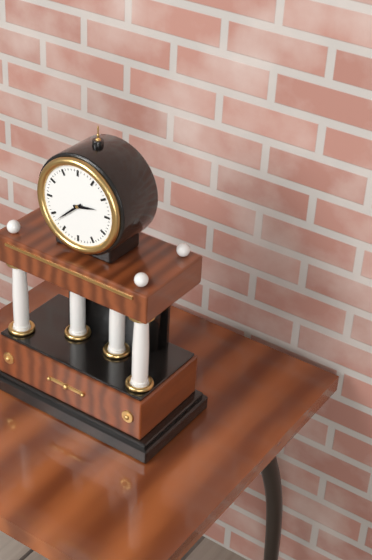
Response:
h=2 m=38
